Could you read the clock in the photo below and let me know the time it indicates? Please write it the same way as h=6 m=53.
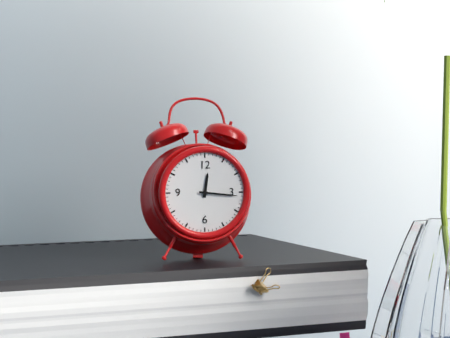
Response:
h=12 m=16
